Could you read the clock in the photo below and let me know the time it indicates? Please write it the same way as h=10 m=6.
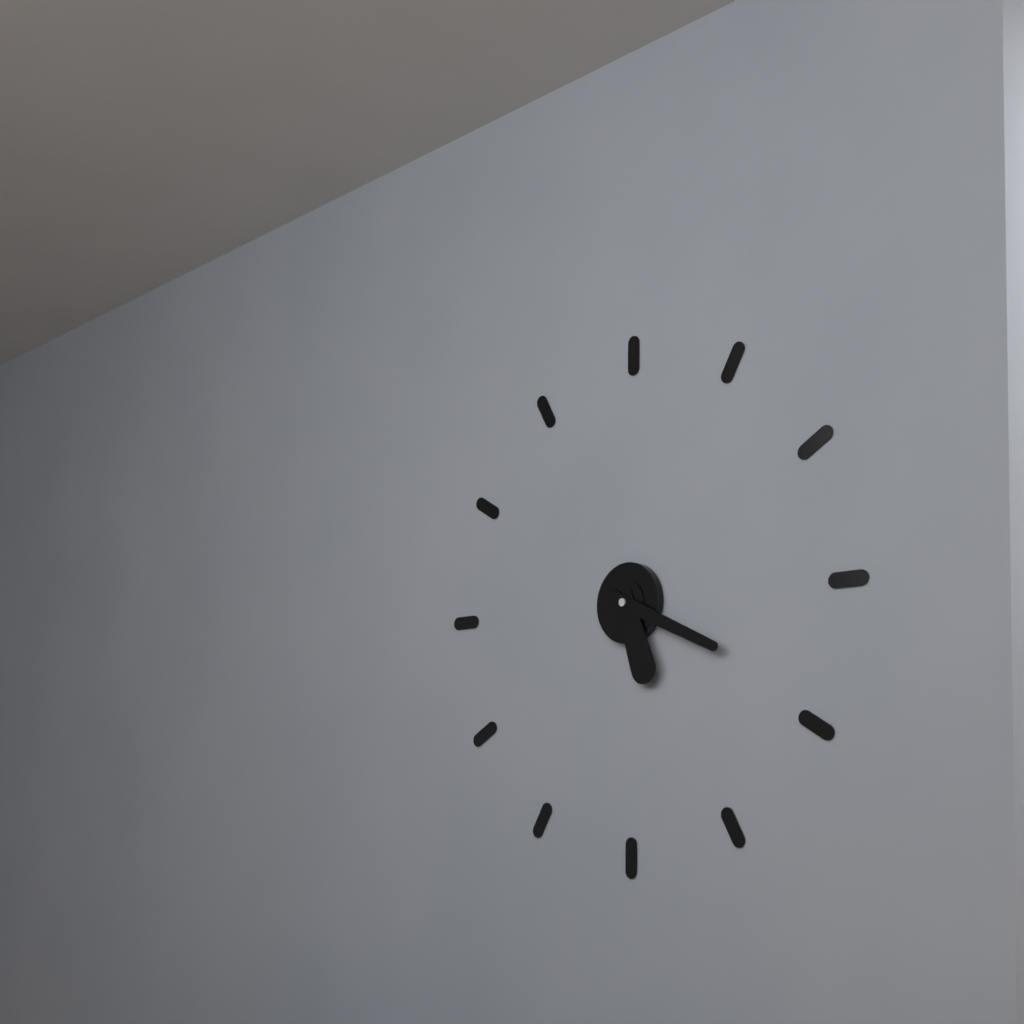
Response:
h=5 m=19
